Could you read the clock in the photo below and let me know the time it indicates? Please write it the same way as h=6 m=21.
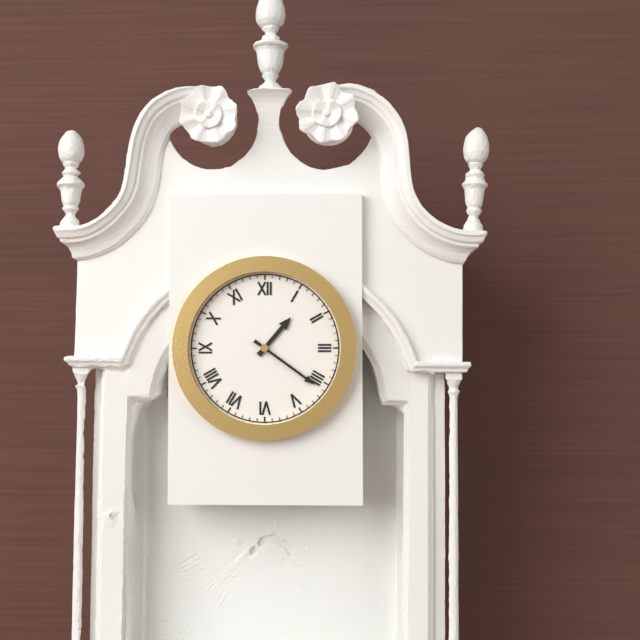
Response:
h=1 m=21
